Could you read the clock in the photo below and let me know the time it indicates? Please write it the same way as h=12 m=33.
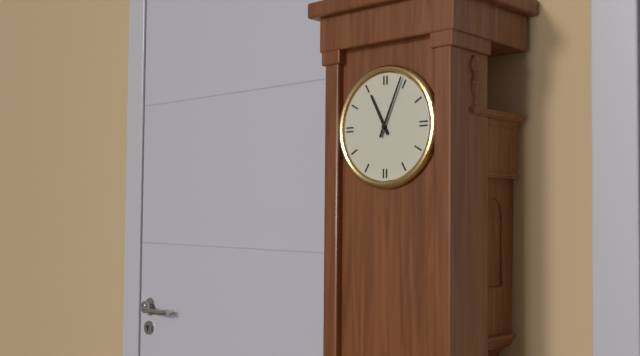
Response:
h=11 m=4
